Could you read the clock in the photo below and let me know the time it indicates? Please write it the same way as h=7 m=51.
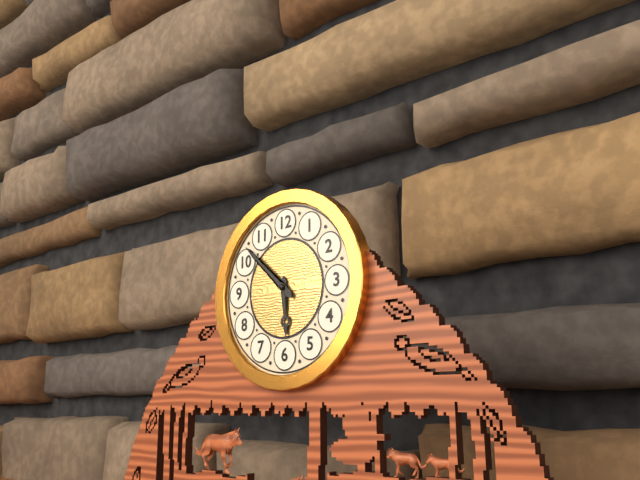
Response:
h=5 m=52
